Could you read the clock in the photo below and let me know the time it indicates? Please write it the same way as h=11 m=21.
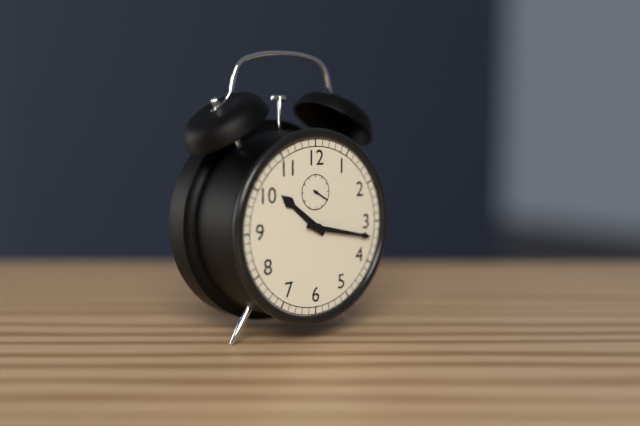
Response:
h=10 m=17
